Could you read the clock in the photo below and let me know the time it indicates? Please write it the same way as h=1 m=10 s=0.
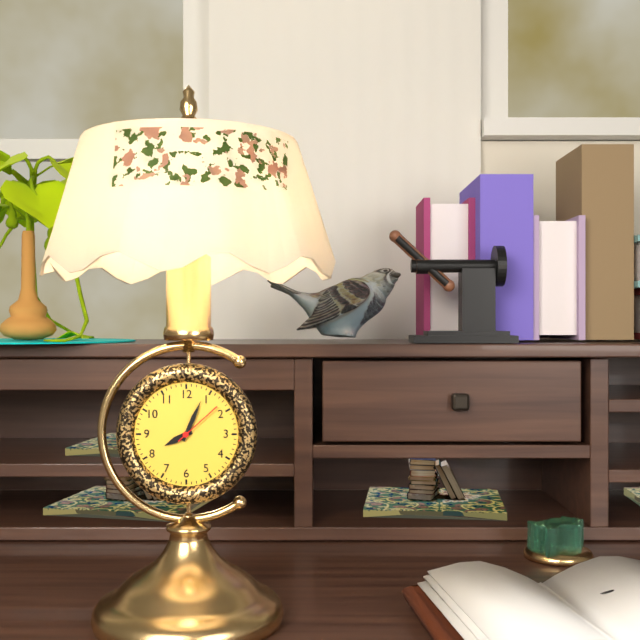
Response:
h=8 m=4 s=8
